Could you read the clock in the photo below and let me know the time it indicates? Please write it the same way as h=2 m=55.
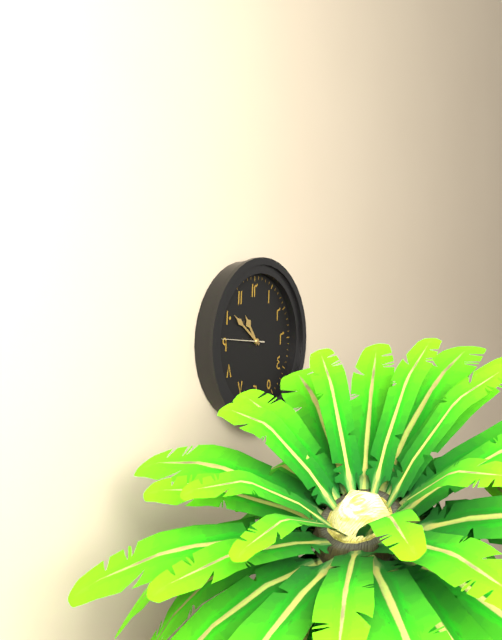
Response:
h=10 m=51
